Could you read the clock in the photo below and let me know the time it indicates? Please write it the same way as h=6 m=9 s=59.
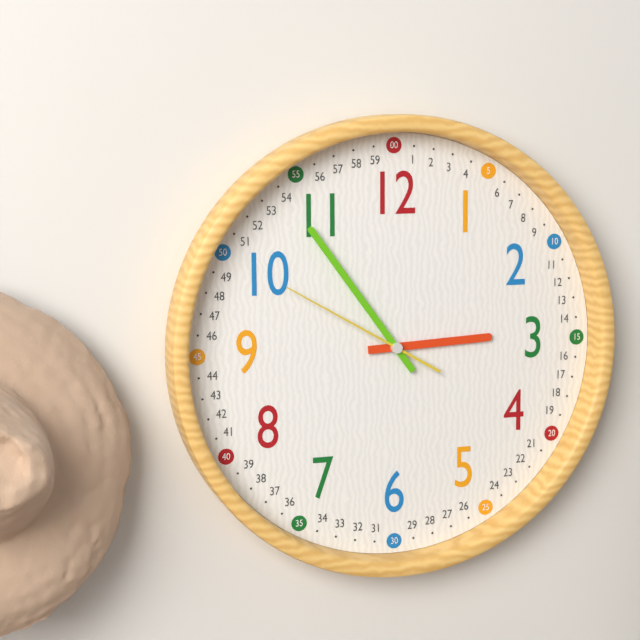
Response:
h=2 m=54 s=50
